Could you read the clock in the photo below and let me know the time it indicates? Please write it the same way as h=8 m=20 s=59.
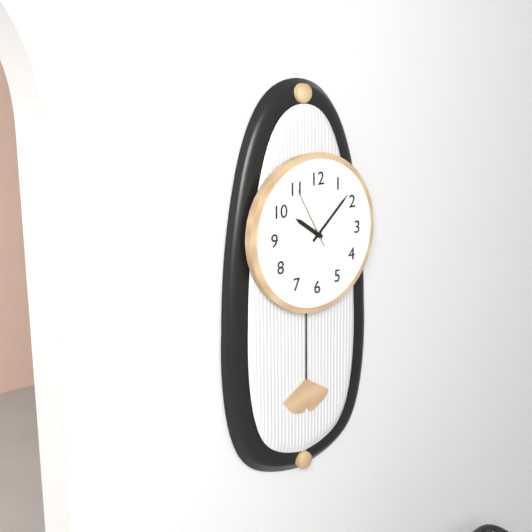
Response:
h=10 m=8 s=55
